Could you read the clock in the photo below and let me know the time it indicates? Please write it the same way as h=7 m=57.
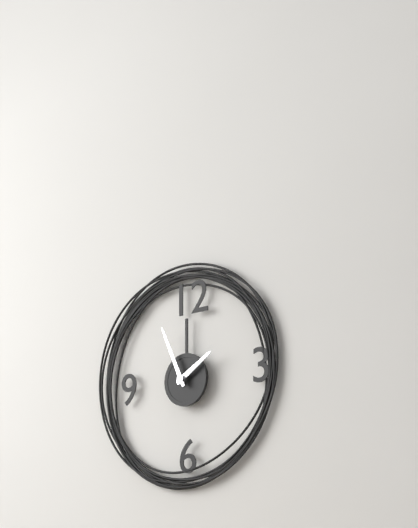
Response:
h=1 m=56
